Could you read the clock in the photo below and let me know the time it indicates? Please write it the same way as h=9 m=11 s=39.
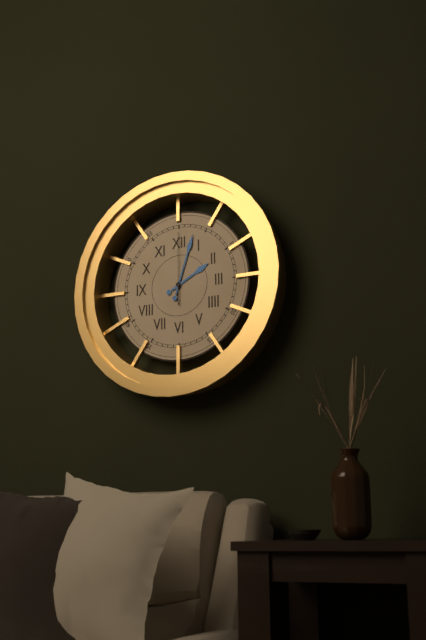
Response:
h=2 m=3 s=0
